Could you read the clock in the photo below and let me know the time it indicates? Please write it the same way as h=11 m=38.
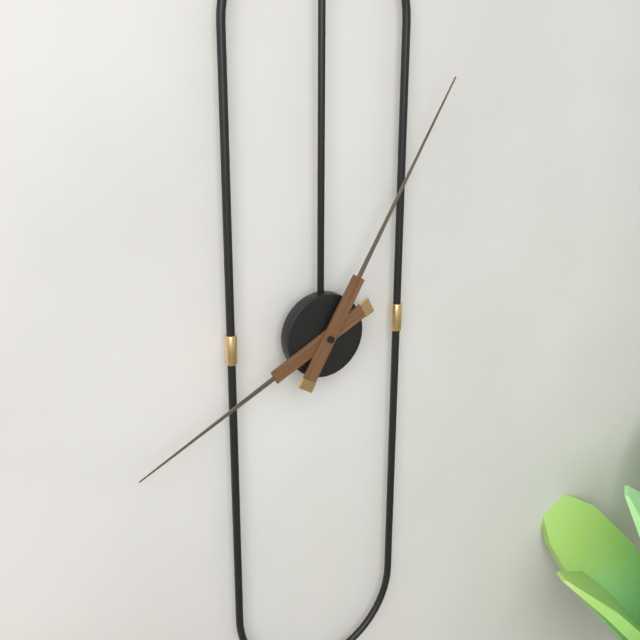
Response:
h=8 m=5
